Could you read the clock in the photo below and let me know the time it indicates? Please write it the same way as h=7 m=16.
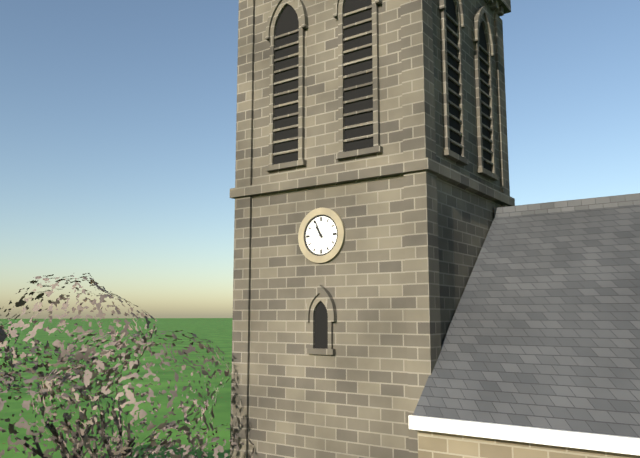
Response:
h=10 m=56
